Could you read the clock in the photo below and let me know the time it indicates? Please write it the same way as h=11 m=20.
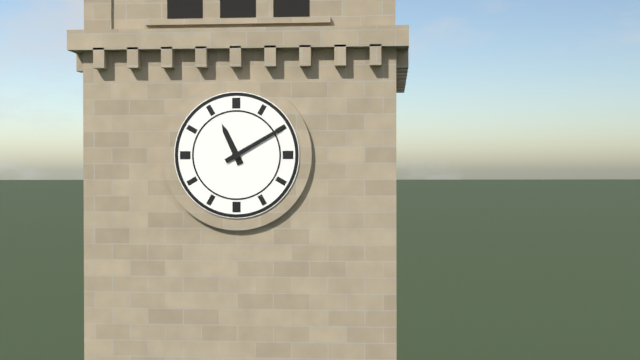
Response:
h=11 m=10
